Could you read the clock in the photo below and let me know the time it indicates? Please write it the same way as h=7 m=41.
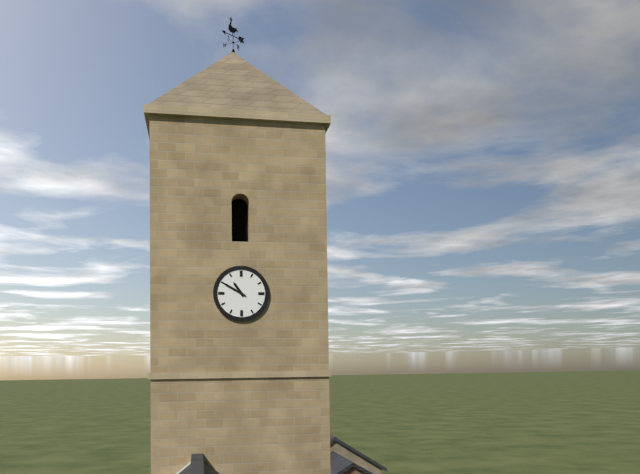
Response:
h=10 m=50
